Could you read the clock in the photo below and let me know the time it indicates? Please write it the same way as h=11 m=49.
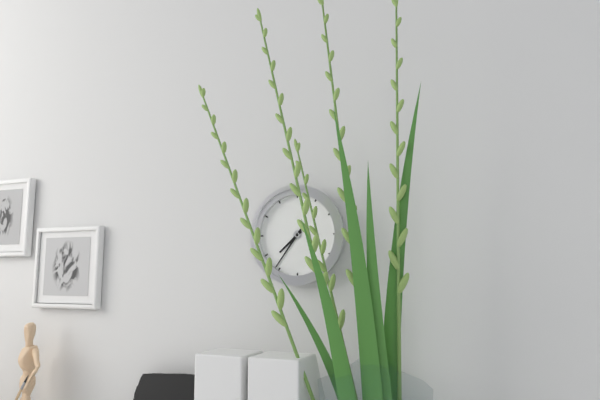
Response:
h=7 m=36
